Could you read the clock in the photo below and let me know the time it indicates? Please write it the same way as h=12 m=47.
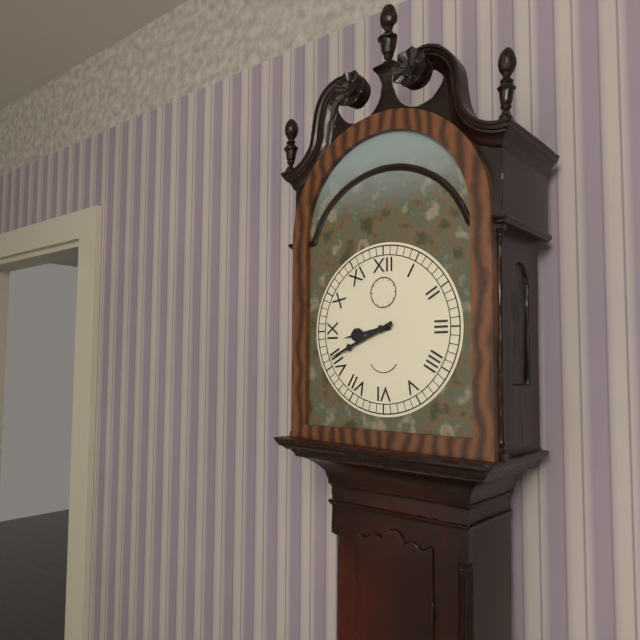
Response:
h=8 m=41
